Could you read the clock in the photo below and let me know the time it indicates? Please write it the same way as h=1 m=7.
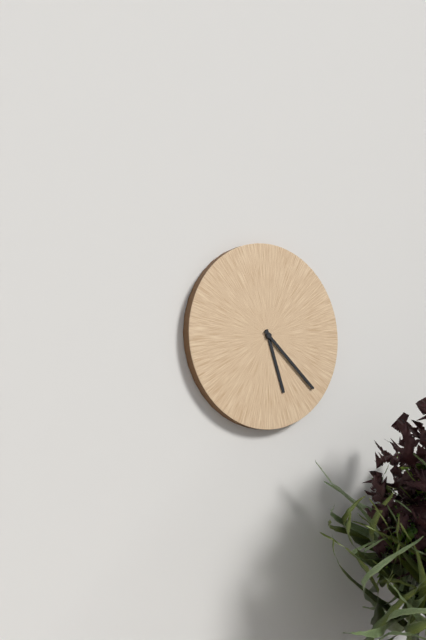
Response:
h=5 m=22
